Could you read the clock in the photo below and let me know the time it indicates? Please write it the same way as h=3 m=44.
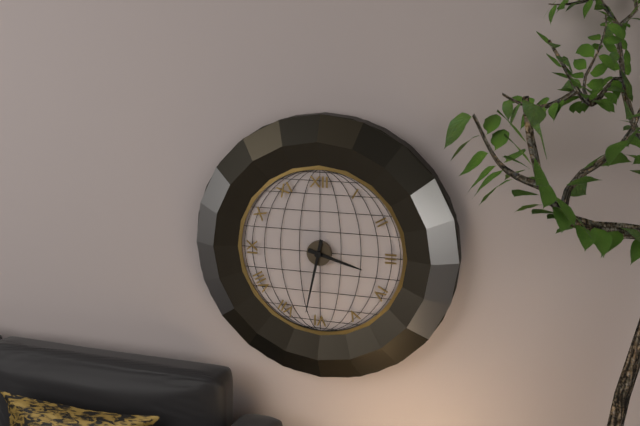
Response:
h=3 m=32
